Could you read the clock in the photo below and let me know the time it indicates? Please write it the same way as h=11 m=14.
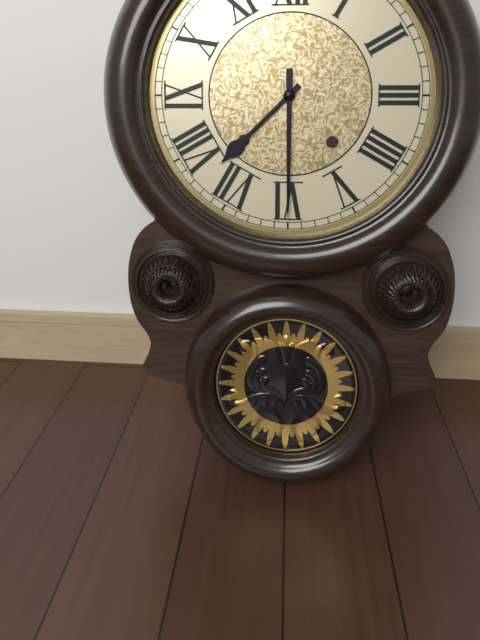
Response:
h=7 m=30
